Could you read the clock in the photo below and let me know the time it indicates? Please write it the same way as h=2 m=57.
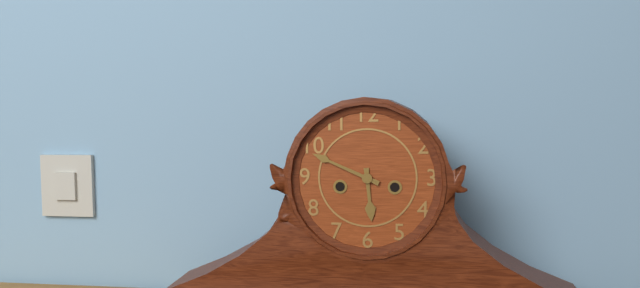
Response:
h=5 m=49
